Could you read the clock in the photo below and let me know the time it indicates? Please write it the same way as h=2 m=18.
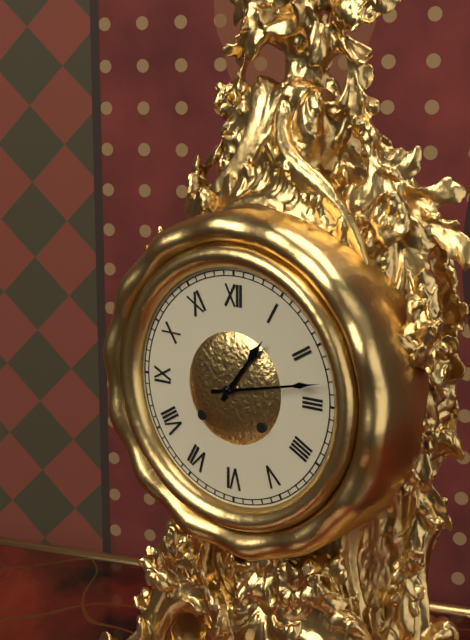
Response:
h=1 m=13
